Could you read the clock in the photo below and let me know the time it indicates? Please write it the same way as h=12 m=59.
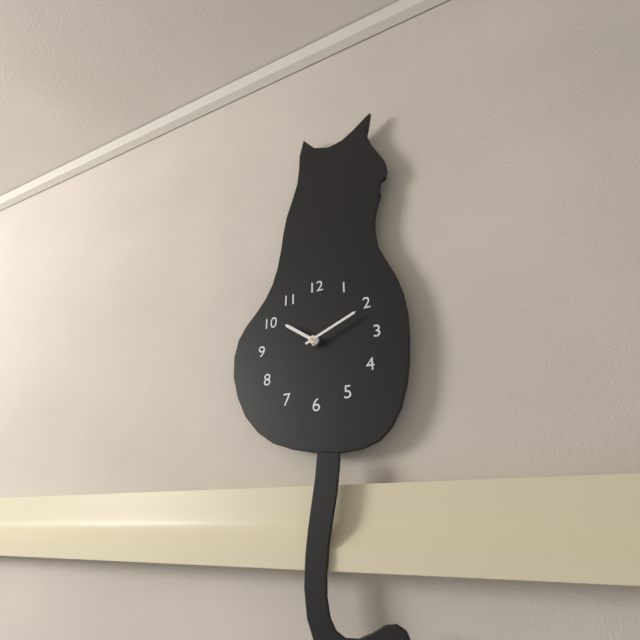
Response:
h=10 m=11
